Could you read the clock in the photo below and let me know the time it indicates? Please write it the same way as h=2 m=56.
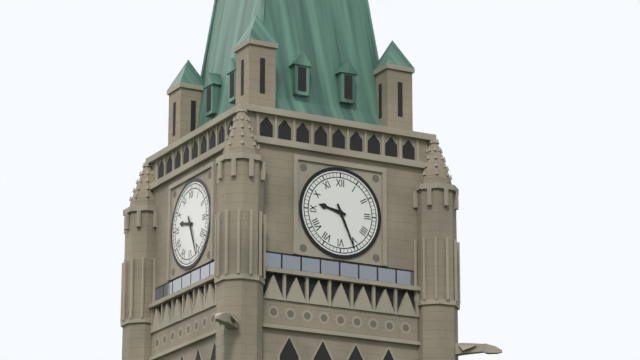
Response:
h=9 m=26
